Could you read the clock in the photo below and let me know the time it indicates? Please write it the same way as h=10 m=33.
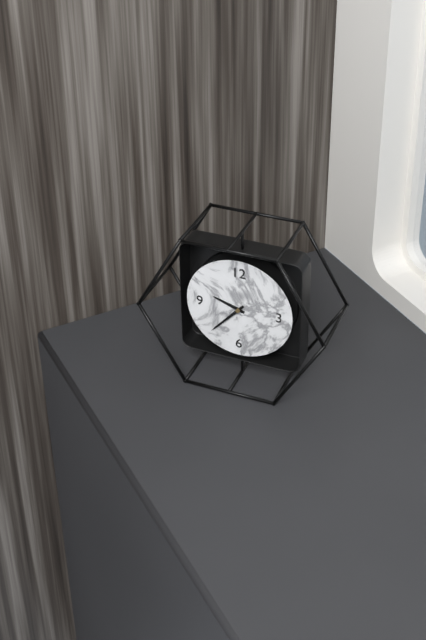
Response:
h=9 m=37
